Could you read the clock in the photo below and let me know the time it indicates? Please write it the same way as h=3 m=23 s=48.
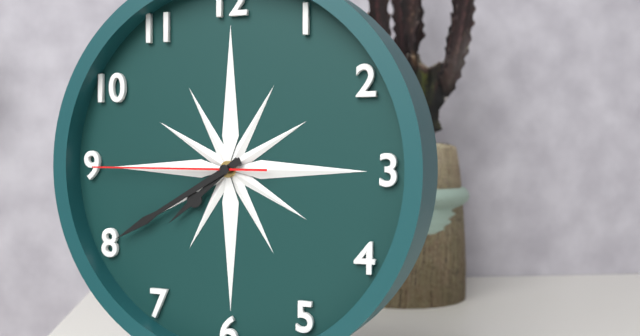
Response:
h=7 m=40 s=45
